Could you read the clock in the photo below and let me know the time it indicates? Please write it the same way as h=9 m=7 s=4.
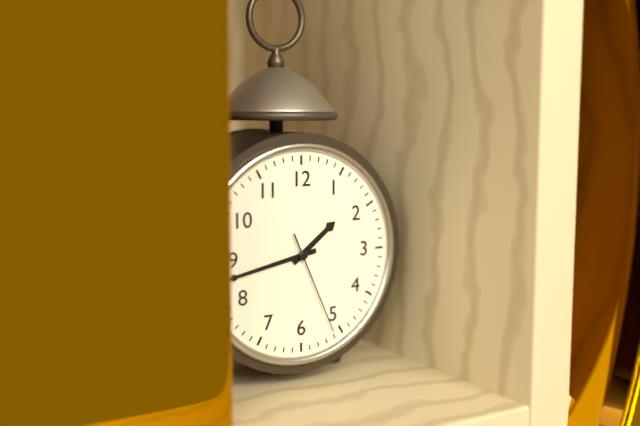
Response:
h=1 m=43 s=26
